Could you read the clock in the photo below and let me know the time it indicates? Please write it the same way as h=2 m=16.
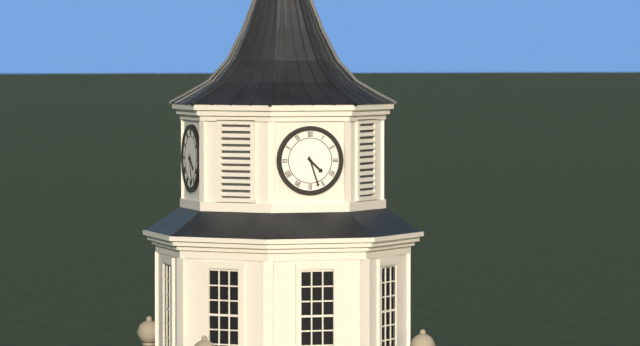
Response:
h=4 m=27
